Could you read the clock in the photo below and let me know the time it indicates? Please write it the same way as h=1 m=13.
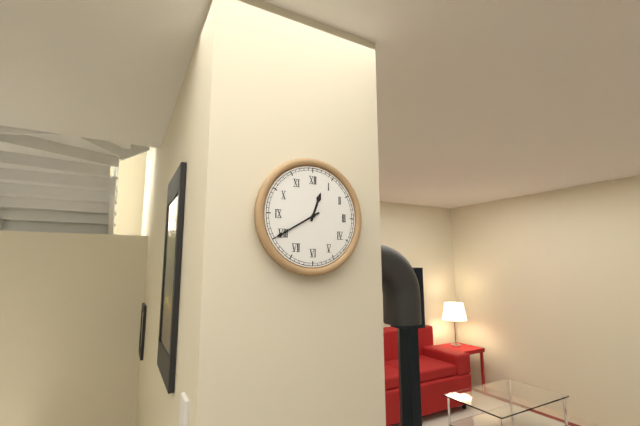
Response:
h=12 m=40
